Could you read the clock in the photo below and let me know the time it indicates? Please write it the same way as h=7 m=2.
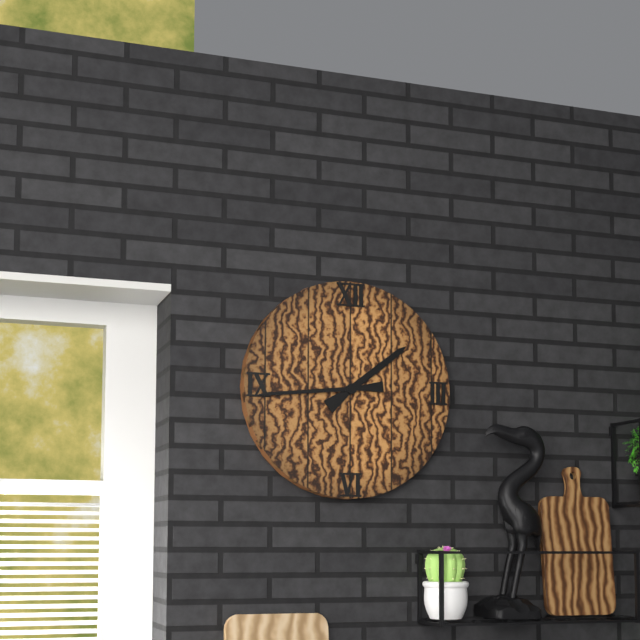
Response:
h=1 m=44
